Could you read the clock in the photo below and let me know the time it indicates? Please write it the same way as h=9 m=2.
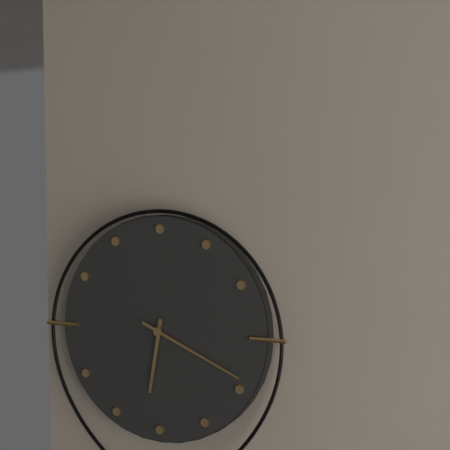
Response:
h=6 m=19
